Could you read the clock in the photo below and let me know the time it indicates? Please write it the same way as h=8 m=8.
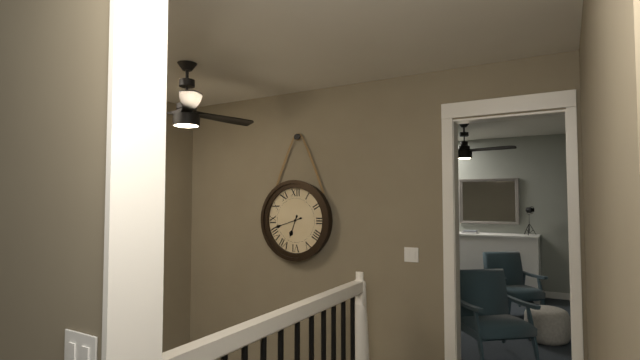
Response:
h=6 m=42
